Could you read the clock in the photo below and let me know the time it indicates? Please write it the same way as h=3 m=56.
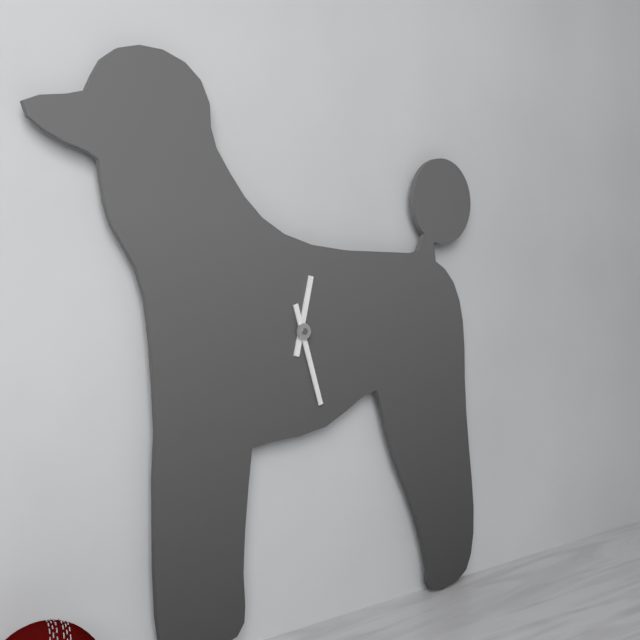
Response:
h=12 m=27
